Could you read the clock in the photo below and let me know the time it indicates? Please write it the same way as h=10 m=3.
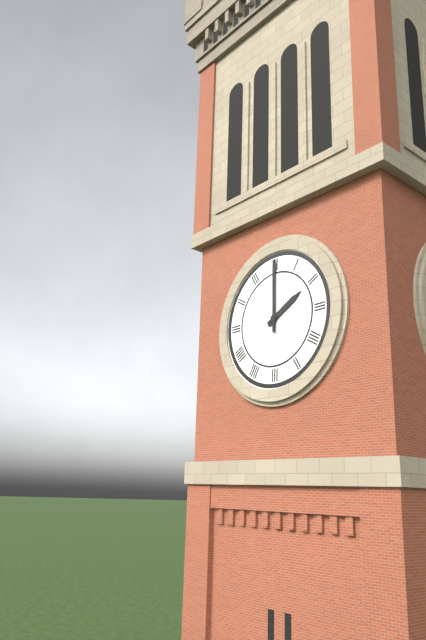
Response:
h=2 m=0
